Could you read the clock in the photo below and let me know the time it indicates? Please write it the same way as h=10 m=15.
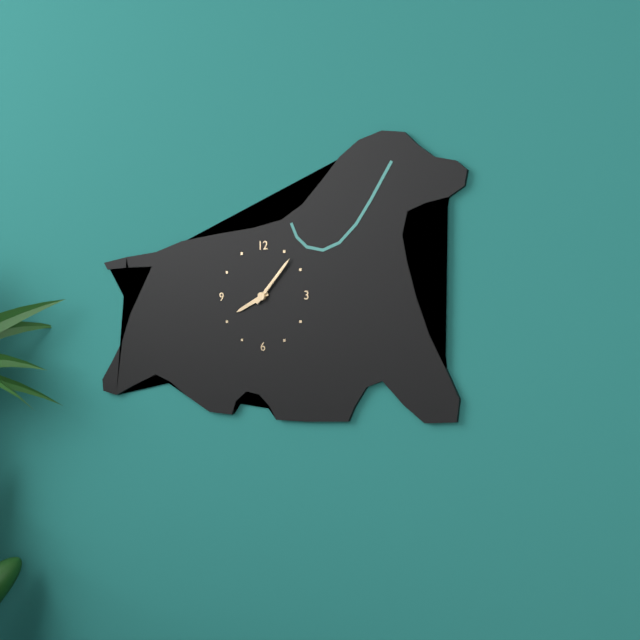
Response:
h=8 m=7
